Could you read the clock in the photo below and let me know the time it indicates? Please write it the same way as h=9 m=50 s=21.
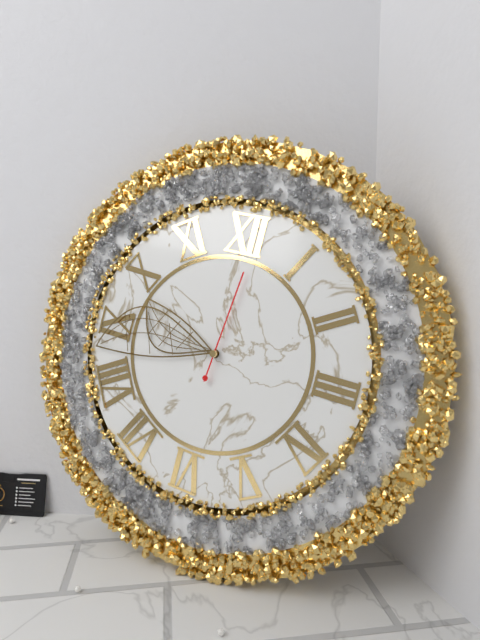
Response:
h=9 m=43 s=1
